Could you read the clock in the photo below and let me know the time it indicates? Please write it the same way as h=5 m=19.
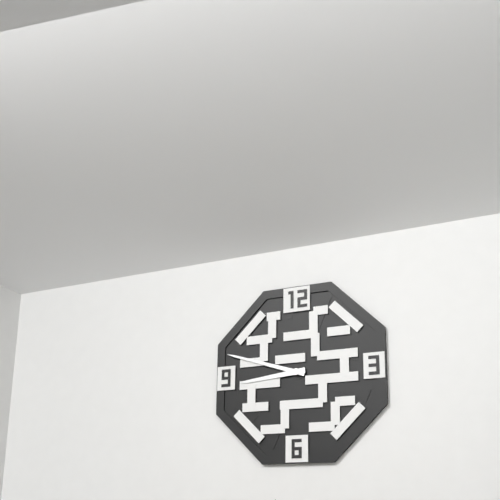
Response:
h=8 m=48
